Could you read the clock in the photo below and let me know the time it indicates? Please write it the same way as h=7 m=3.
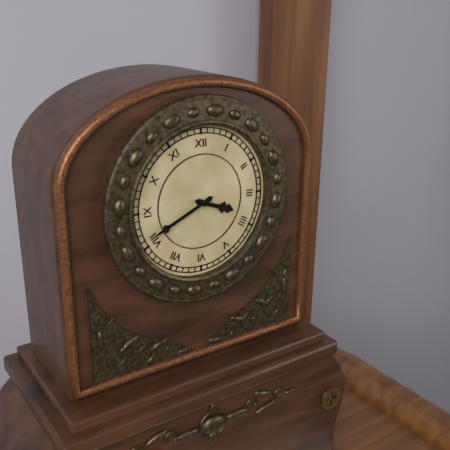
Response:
h=3 m=41
